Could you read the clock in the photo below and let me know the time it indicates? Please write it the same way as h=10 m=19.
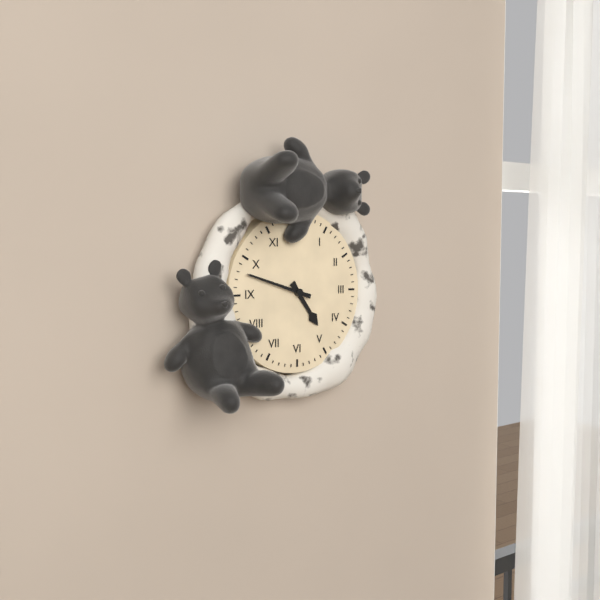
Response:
h=4 m=48
